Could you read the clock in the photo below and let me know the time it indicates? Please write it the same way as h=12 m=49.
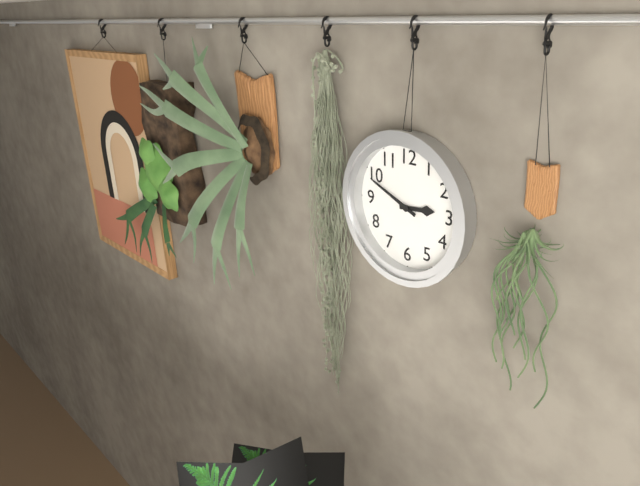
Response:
h=2 m=49
